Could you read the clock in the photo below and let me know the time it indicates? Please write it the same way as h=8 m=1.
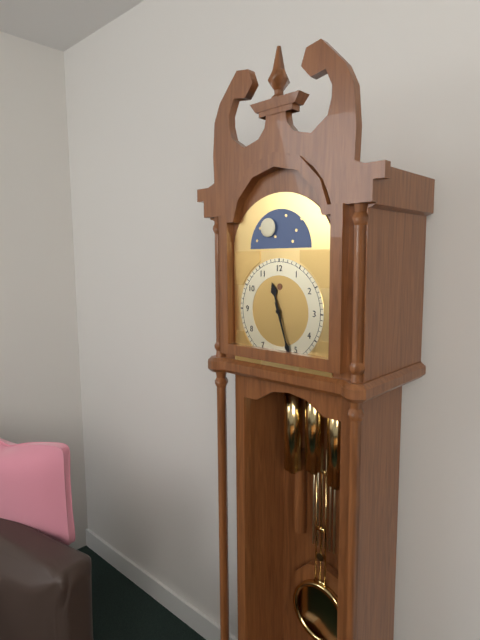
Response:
h=11 m=27
